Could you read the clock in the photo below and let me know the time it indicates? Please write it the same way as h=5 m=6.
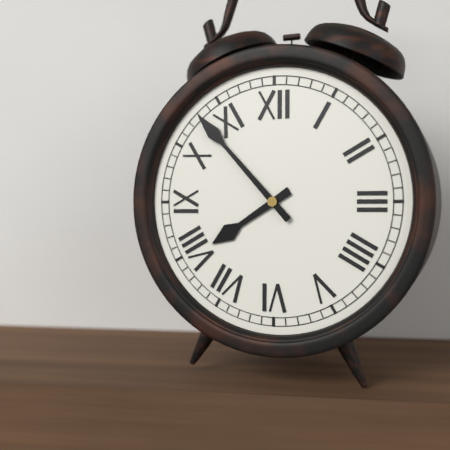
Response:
h=7 m=53
